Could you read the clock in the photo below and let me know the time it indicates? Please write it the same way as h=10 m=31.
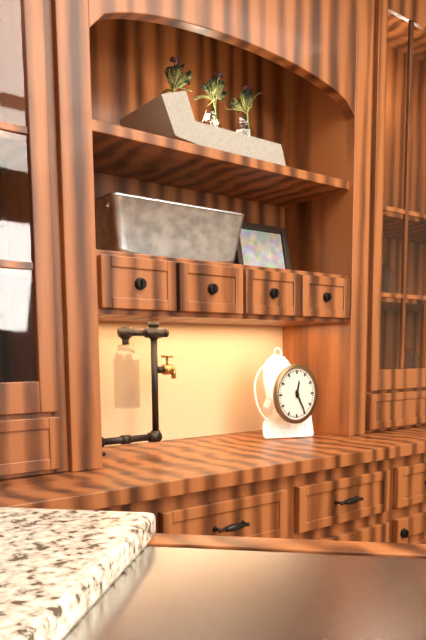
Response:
h=12 m=25
